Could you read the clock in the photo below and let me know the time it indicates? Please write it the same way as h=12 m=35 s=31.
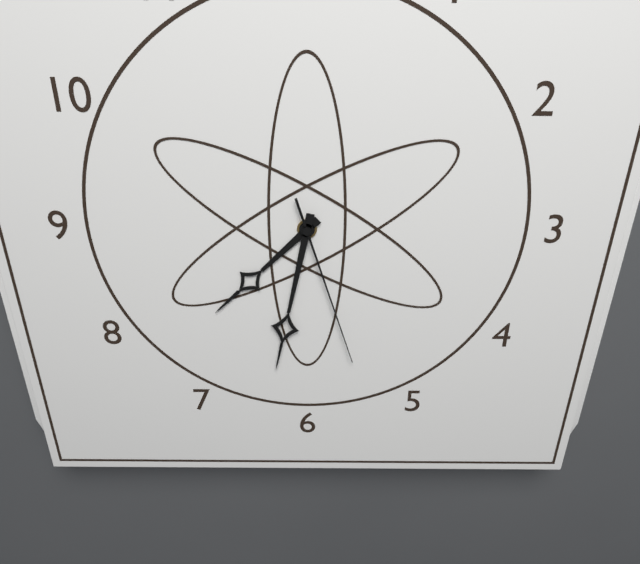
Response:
h=7 m=32 s=27
